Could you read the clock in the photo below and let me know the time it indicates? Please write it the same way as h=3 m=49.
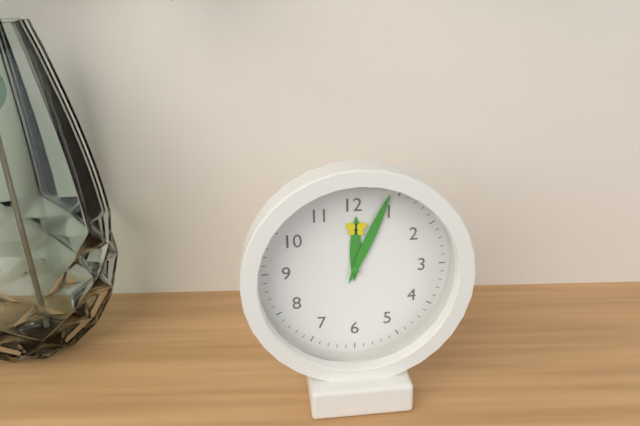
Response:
h=12 m=4
